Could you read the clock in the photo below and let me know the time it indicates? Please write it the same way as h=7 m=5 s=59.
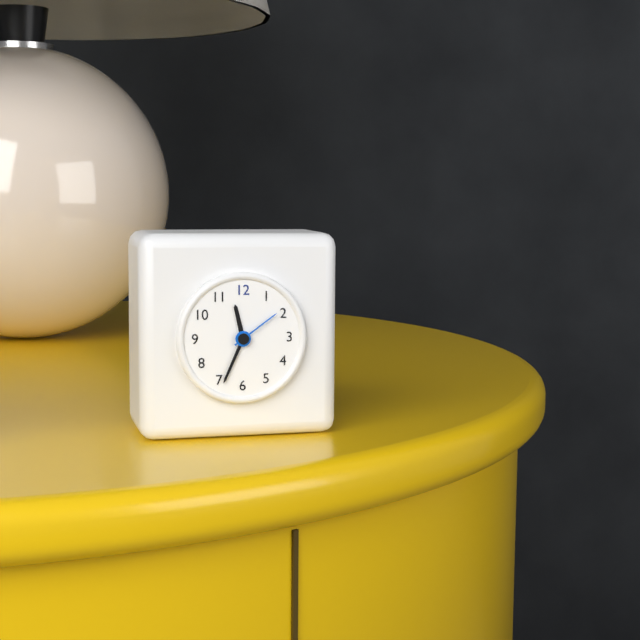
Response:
h=11 m=34 s=9
